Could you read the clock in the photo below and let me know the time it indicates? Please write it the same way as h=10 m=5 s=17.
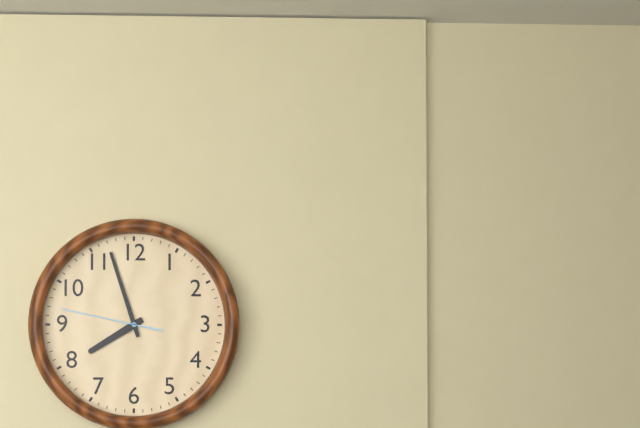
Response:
h=7 m=57 s=47
